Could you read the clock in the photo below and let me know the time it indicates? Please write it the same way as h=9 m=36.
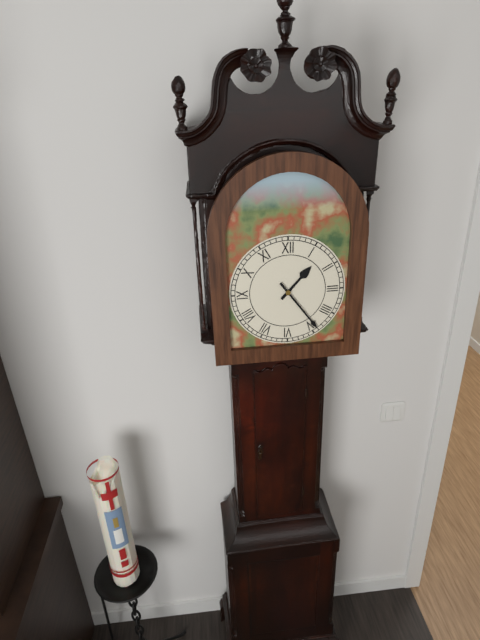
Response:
h=1 m=24
